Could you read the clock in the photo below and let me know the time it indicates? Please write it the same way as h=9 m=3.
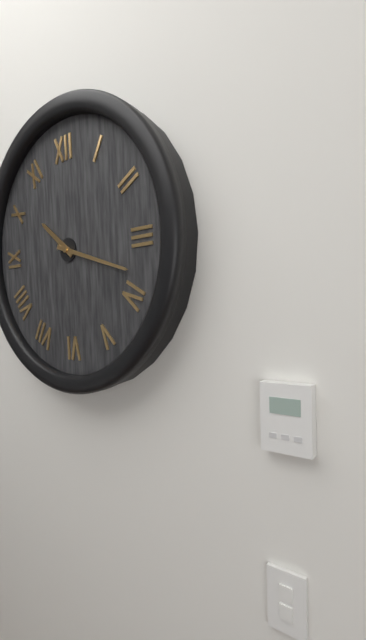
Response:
h=10 m=18
